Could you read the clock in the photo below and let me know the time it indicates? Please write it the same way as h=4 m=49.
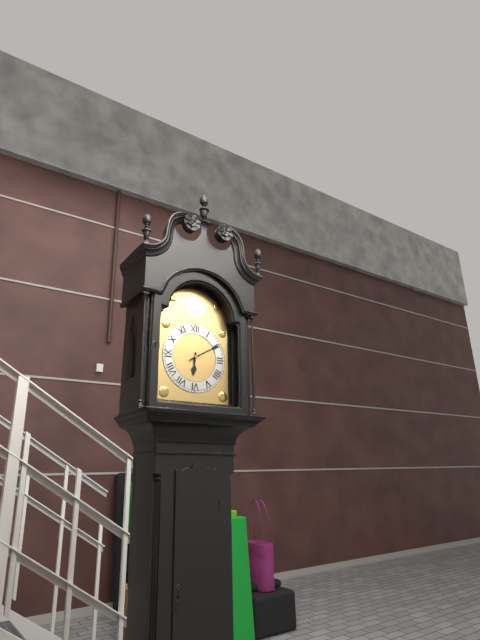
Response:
h=6 m=10
